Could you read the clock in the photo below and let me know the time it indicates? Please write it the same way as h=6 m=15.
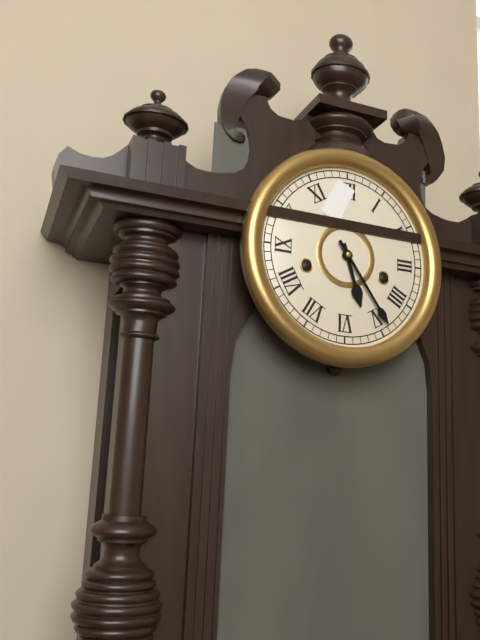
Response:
h=5 m=24
